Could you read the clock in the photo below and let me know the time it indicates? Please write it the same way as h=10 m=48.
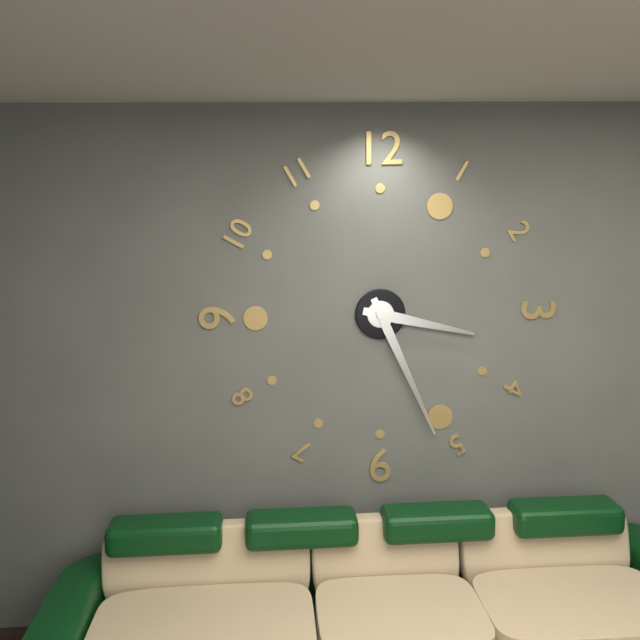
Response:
h=3 m=26
